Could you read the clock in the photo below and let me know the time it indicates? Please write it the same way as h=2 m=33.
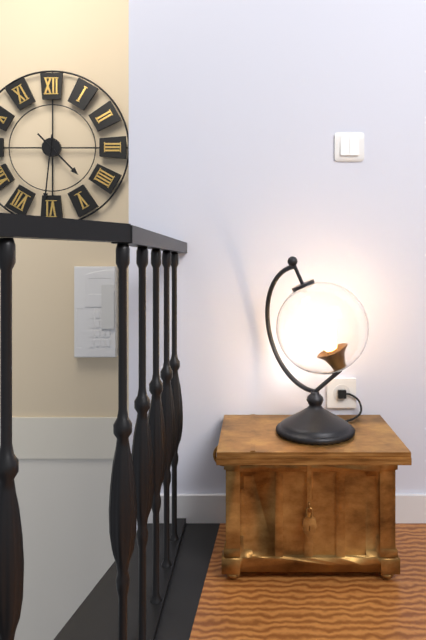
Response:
h=4 m=31
